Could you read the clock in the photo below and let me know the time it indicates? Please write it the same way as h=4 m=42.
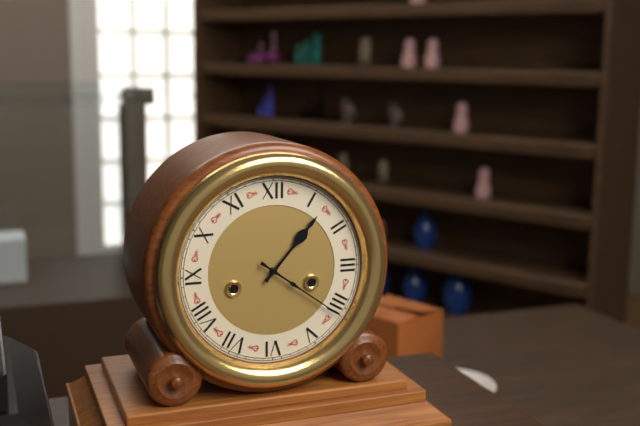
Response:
h=1 m=21
